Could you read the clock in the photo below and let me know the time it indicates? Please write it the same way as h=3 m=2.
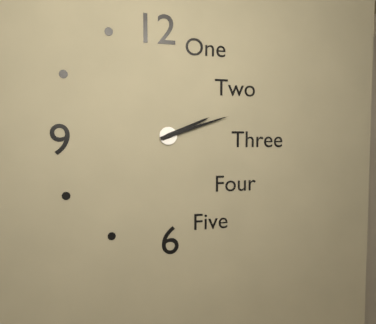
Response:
h=2 m=12
